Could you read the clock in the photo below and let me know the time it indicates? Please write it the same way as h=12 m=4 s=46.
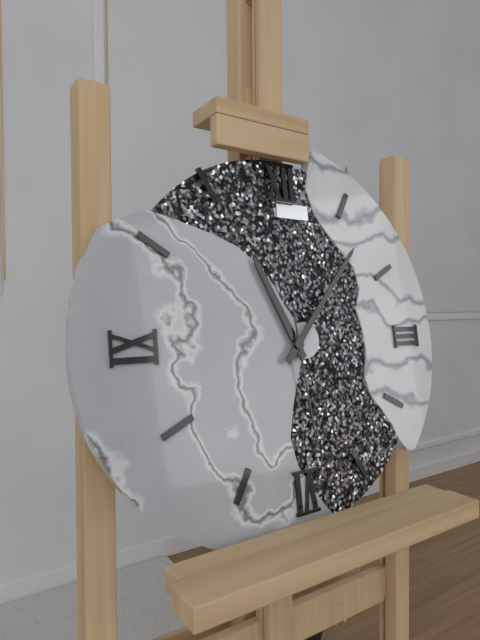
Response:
h=11 m=7 s=29
